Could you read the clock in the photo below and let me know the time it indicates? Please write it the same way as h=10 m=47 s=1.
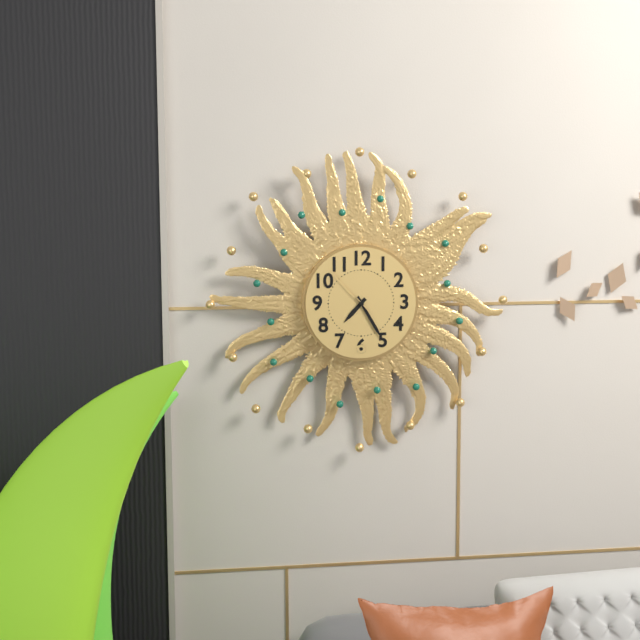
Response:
h=7 m=25 s=53
